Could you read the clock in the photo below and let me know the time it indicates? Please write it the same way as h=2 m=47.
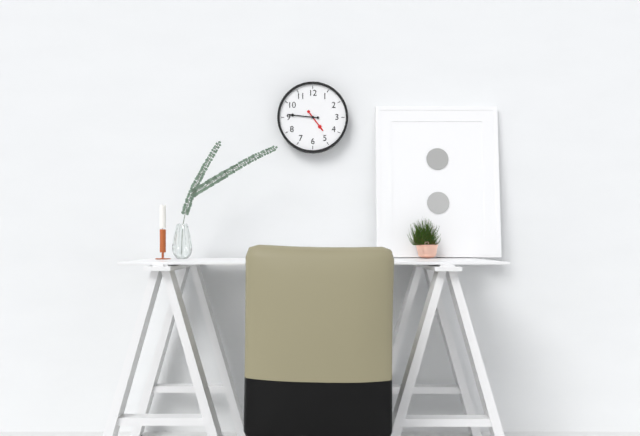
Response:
h=4 m=46
